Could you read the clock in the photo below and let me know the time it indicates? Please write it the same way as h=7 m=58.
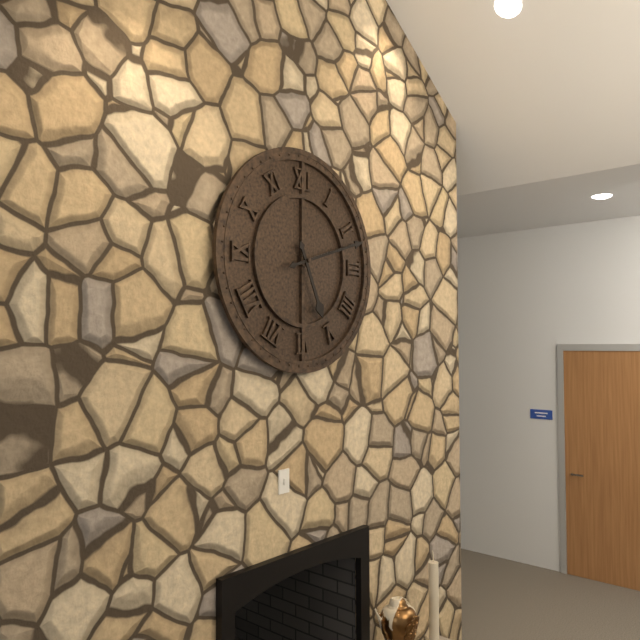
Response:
h=5 m=12
